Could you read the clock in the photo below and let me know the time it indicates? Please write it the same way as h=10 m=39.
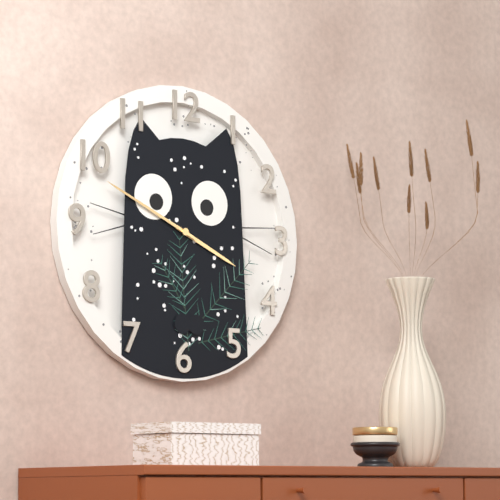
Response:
h=3 m=49
